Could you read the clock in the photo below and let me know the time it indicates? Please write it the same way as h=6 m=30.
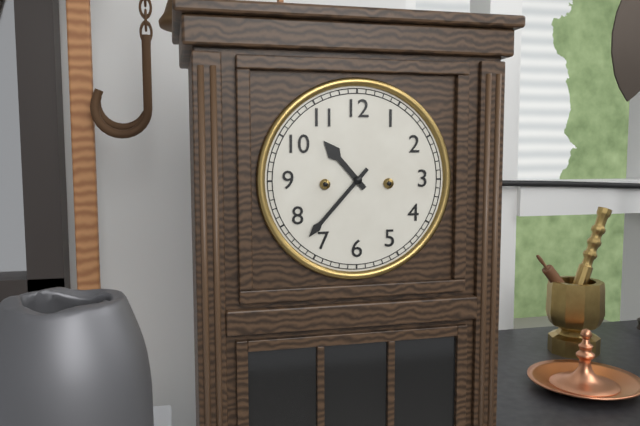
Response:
h=10 m=37
